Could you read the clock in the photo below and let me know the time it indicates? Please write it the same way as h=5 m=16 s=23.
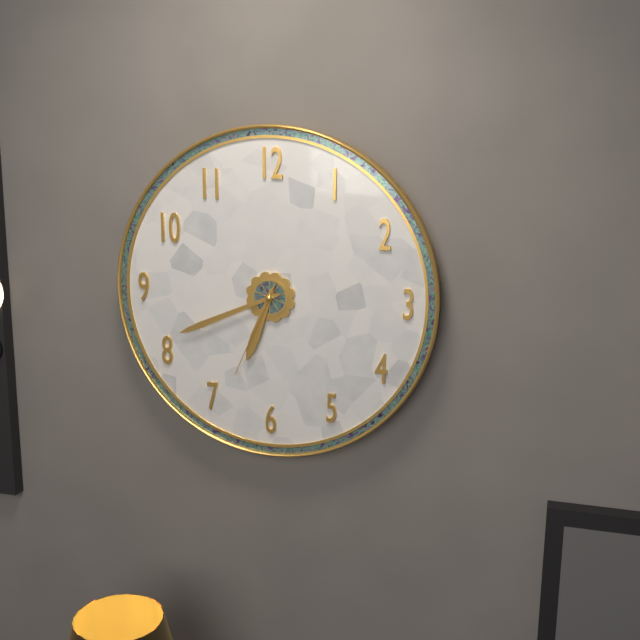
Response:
h=6 m=41 s=34
